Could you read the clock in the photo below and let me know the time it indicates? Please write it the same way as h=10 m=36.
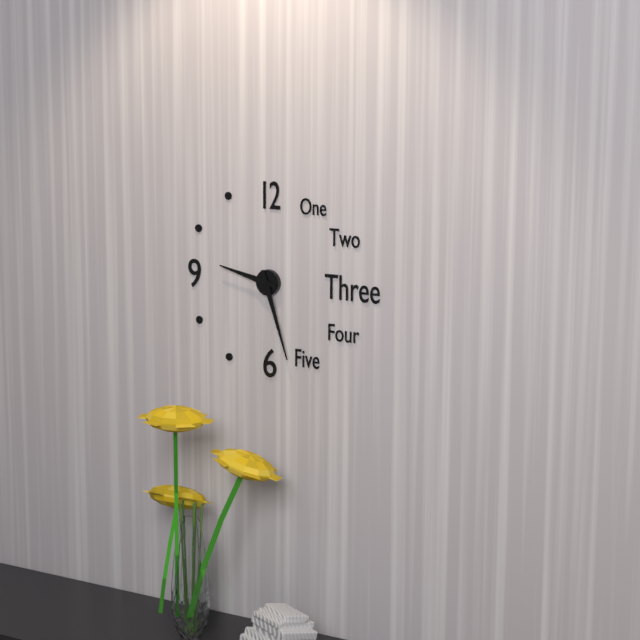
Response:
h=9 m=27
